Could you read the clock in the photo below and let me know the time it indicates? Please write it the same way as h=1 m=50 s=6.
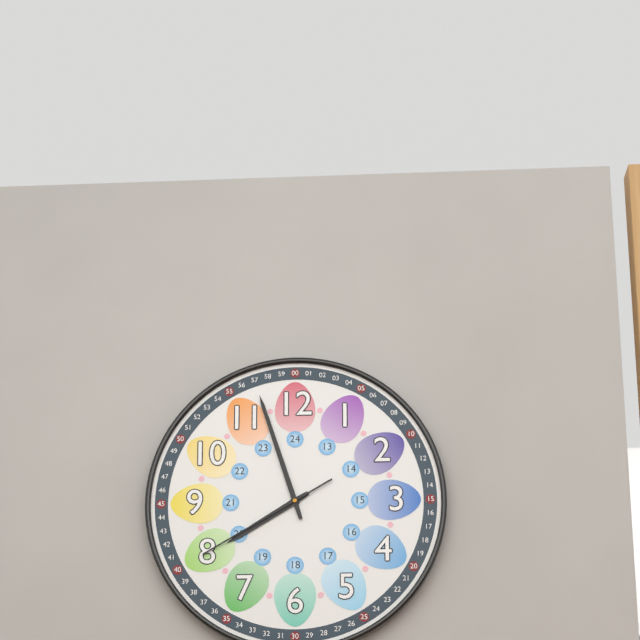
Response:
h=7 m=57 s=40
